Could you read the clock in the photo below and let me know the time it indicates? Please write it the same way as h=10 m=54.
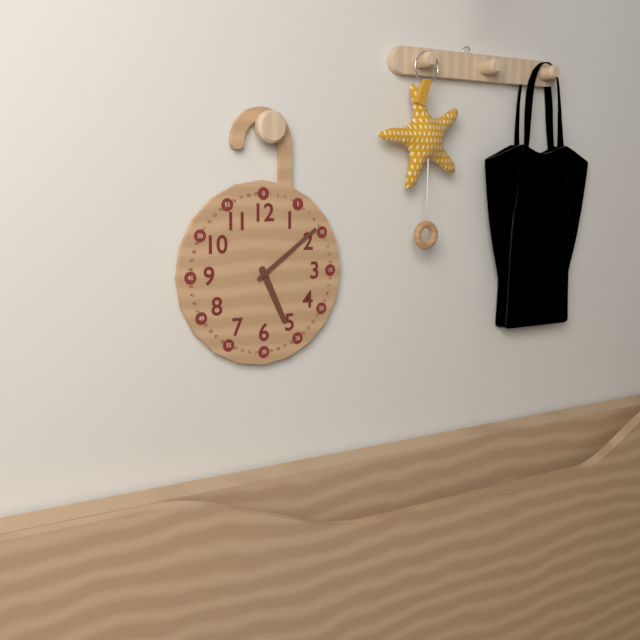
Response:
h=5 m=9
